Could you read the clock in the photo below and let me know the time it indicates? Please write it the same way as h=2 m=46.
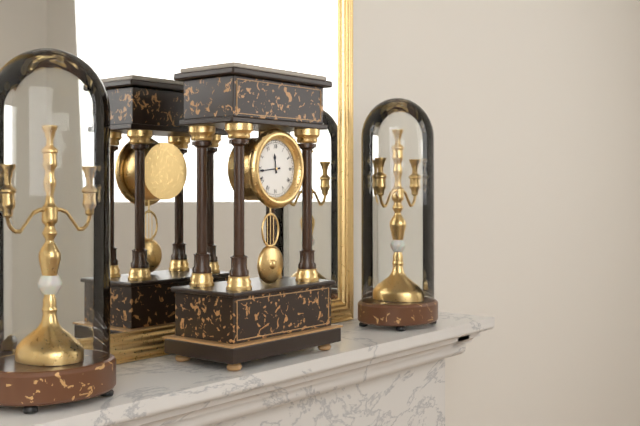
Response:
h=11 m=44
